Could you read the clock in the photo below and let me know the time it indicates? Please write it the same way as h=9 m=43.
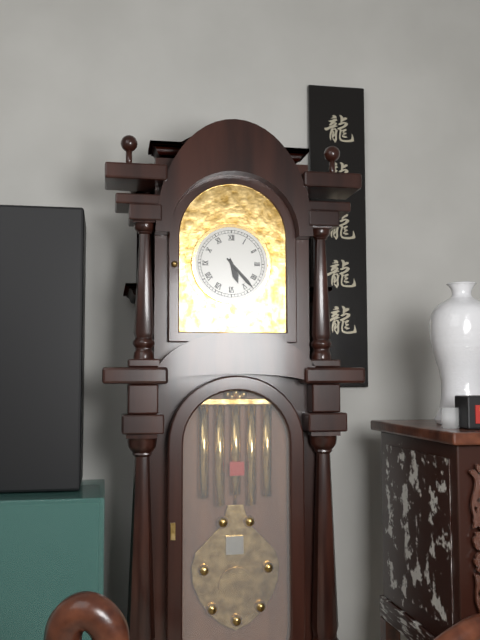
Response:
h=5 m=23
